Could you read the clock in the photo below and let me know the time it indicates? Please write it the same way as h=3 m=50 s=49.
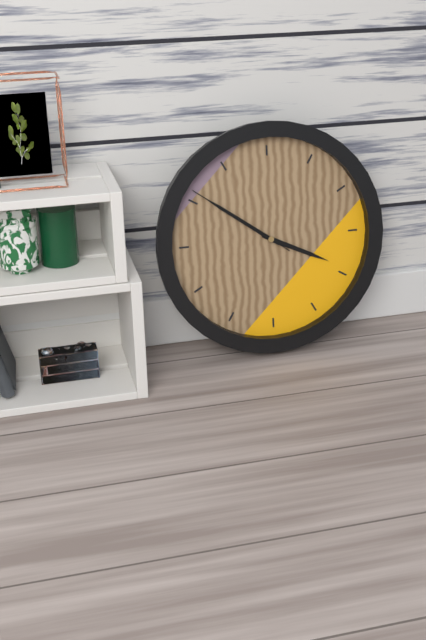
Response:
h=3 m=51 s=51
